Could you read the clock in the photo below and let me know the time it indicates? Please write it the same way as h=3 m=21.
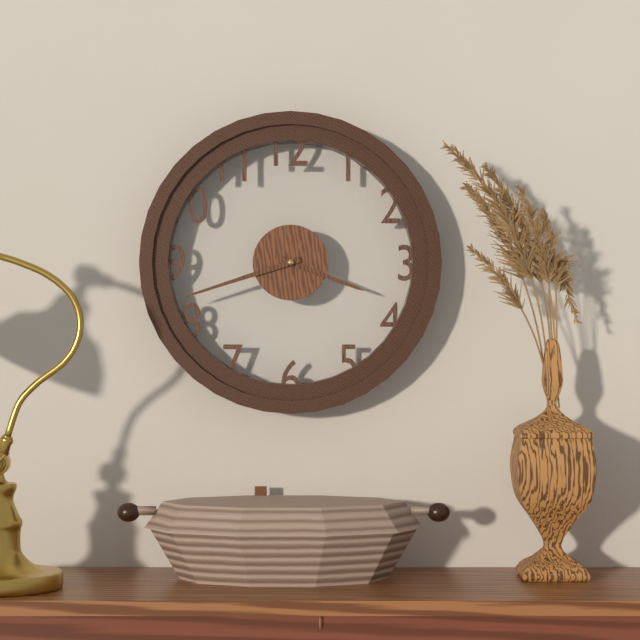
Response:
h=3 m=42
